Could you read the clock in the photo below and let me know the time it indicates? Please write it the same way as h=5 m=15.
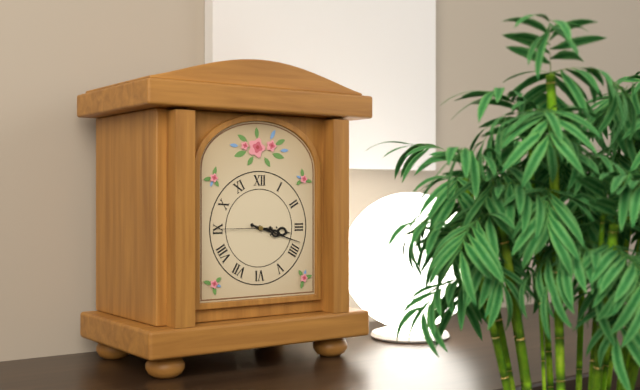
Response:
h=3 m=18
